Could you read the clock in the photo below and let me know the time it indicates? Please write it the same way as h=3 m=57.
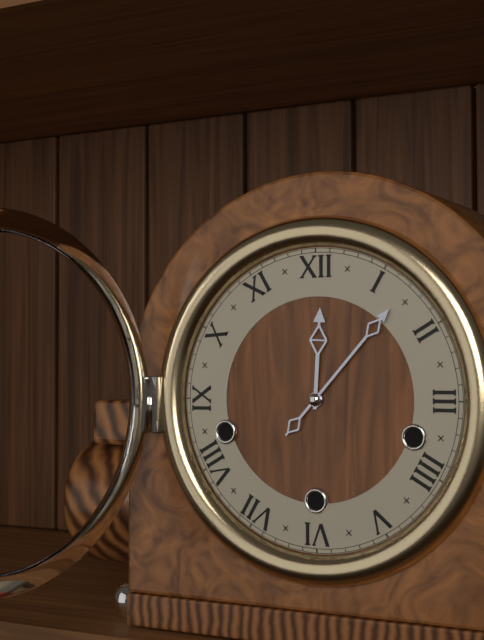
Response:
h=12 m=7
